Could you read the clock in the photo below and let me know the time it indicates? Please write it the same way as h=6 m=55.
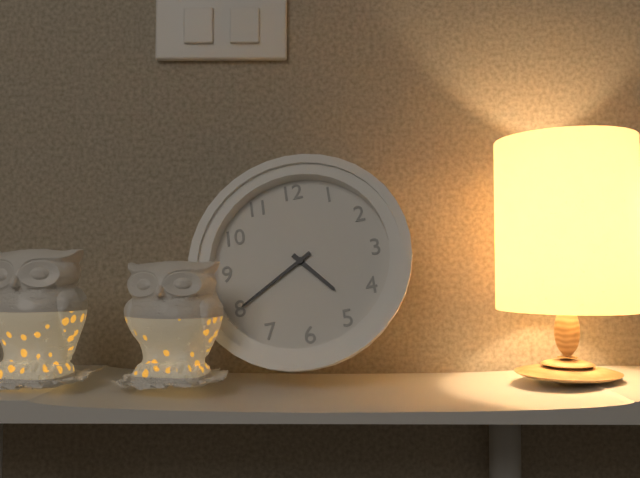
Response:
h=4 m=40
